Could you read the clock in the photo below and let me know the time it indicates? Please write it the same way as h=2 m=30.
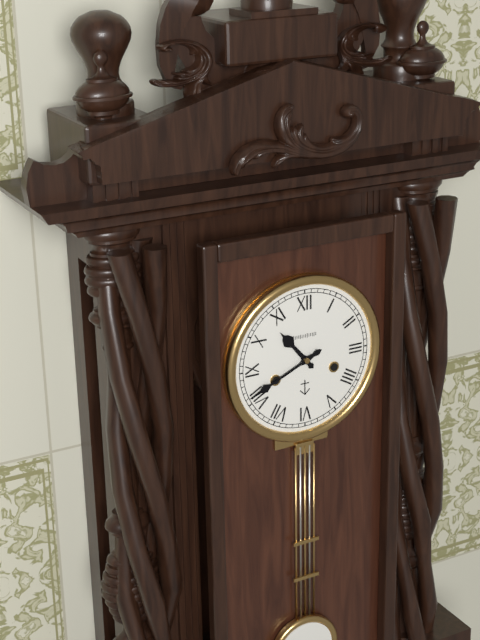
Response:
h=10 m=41
